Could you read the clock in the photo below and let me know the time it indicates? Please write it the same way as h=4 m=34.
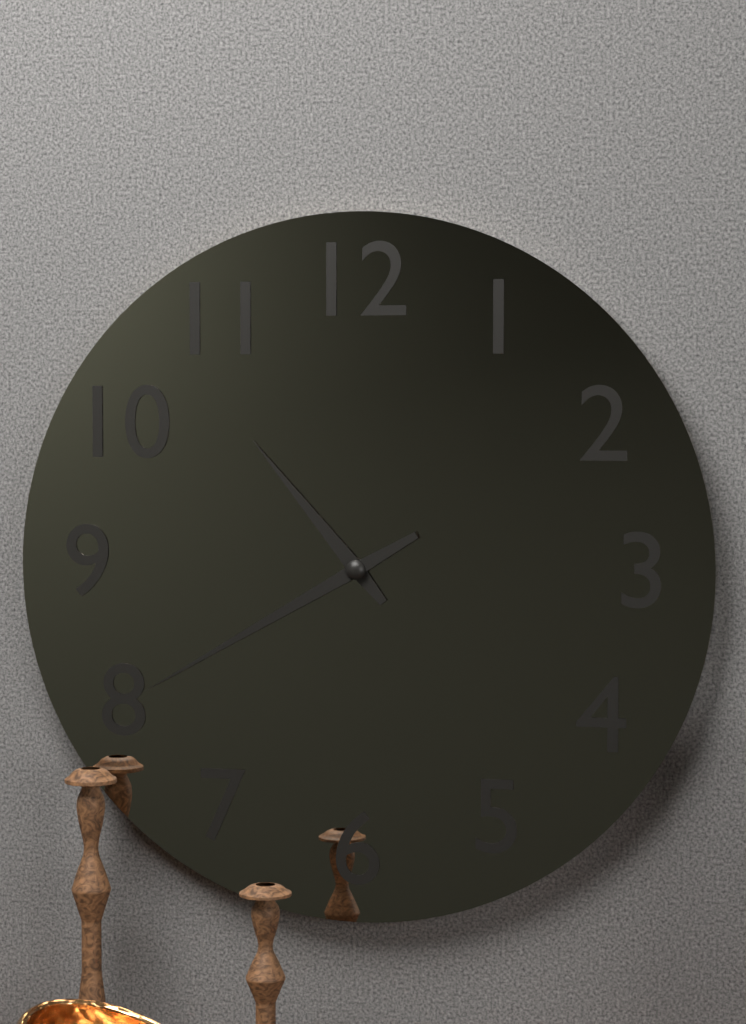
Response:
h=10 m=40
